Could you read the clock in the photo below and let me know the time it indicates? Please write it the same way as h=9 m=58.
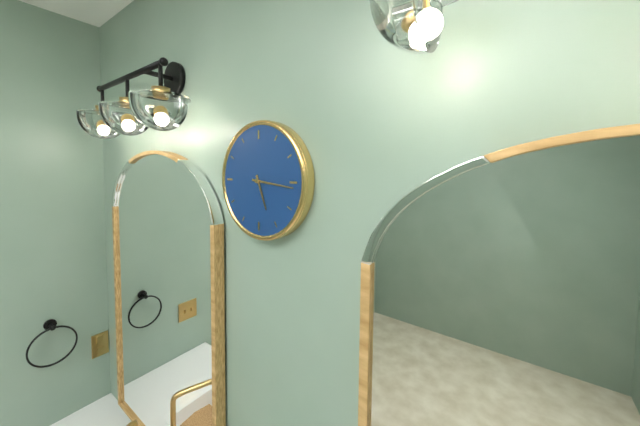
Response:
h=5 m=16
